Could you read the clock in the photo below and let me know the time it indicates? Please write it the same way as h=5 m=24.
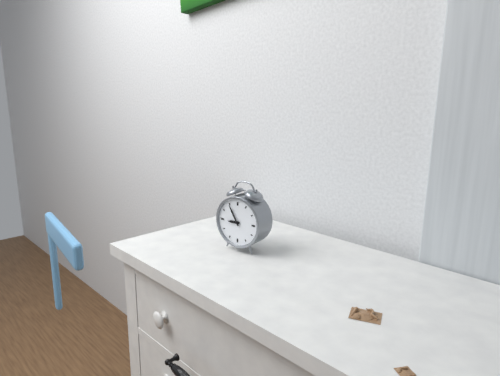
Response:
h=8 m=55
